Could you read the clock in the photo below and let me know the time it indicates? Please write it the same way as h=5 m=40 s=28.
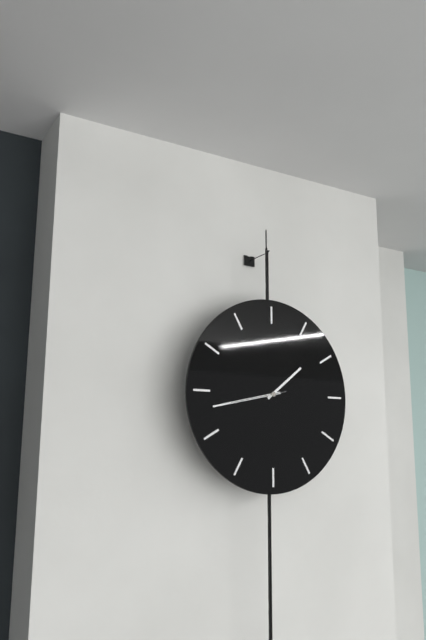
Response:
h=1 m=43 s=43
